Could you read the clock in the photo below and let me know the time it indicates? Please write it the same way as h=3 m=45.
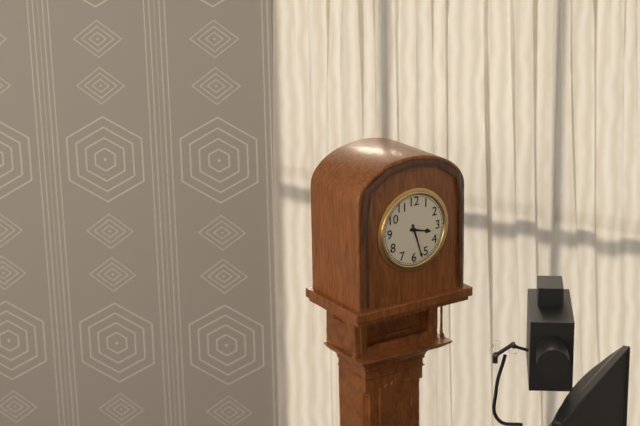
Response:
h=3 m=27
